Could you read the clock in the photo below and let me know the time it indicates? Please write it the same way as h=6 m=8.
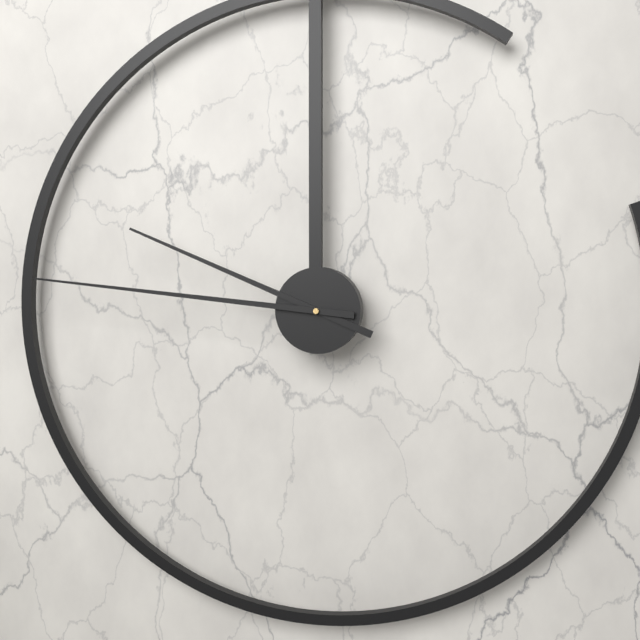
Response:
h=9 m=46
